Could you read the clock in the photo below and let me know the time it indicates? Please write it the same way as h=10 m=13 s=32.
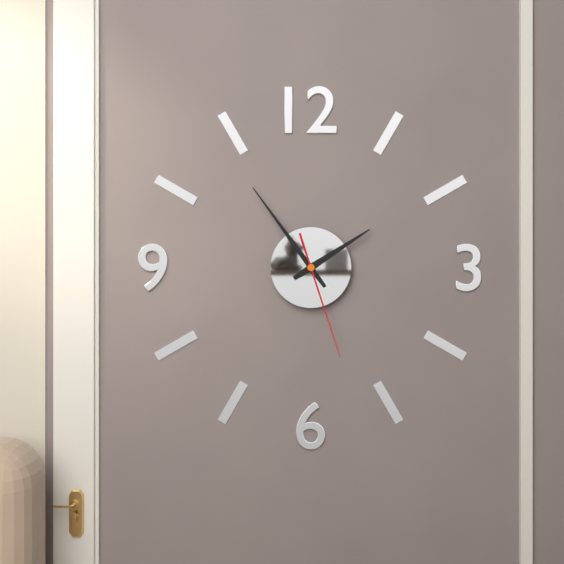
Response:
h=1 m=54 s=27
